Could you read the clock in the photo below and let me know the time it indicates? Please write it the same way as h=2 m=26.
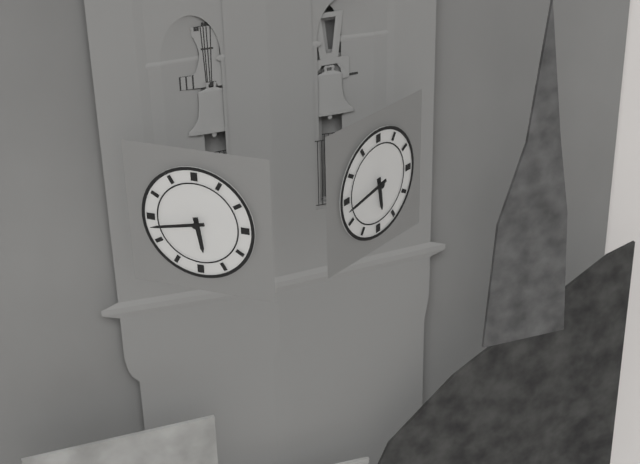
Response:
h=5 m=43
